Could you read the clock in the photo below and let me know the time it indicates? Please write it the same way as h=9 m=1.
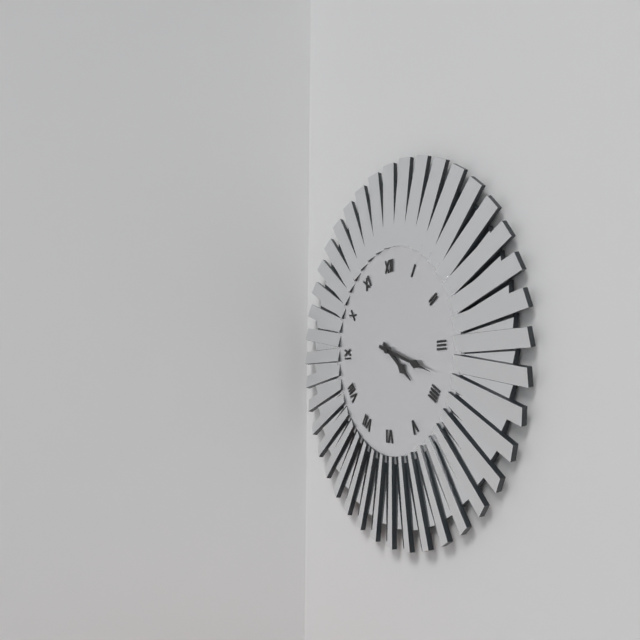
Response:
h=4 m=18
